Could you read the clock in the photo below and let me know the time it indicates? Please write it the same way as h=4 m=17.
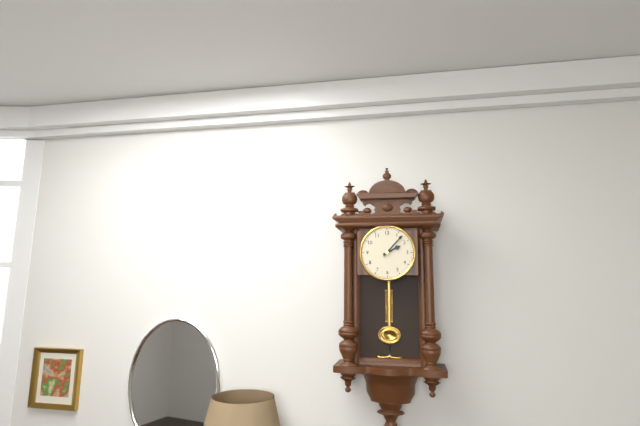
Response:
h=2 m=7
